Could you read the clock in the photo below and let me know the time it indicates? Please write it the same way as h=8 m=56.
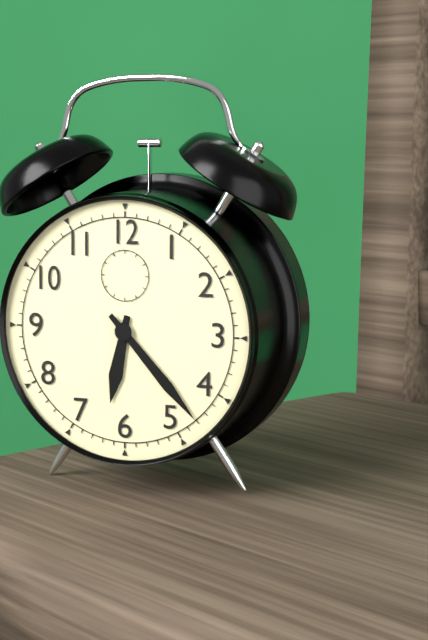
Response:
h=6 m=23
